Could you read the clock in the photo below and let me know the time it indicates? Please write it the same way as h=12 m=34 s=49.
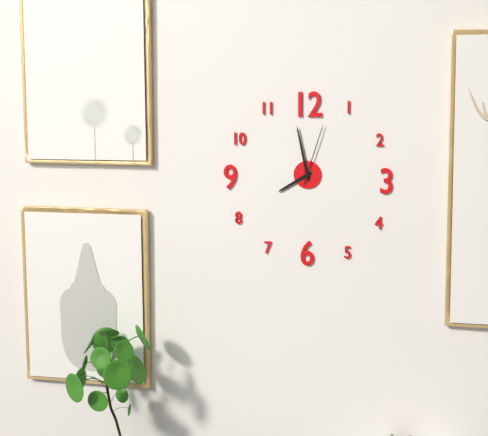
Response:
h=7 m=58 s=3
